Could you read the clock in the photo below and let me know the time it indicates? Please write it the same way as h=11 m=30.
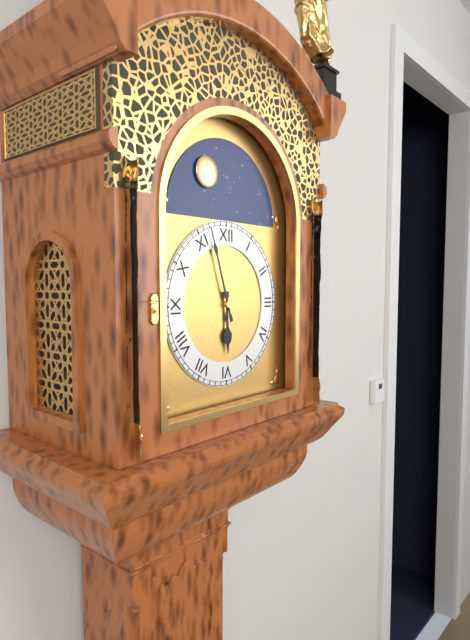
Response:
h=5 m=57
